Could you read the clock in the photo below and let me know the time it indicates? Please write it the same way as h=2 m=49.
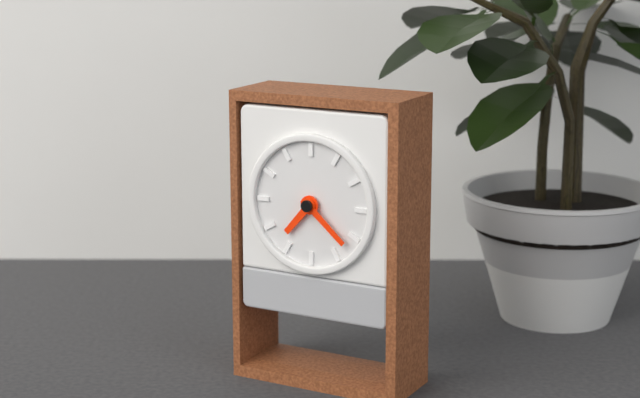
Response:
h=7 m=22
